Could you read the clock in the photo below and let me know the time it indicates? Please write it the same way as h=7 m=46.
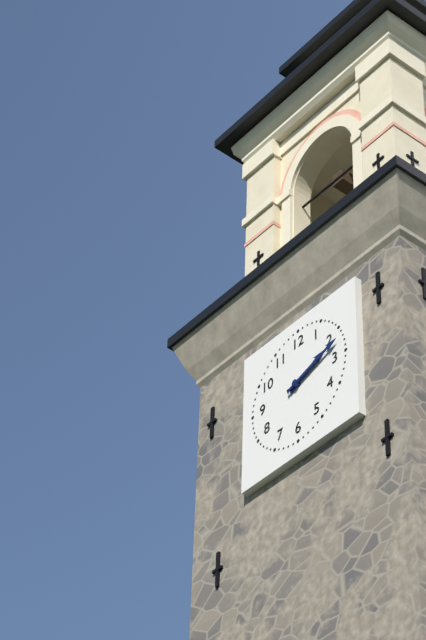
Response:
h=2 m=12
